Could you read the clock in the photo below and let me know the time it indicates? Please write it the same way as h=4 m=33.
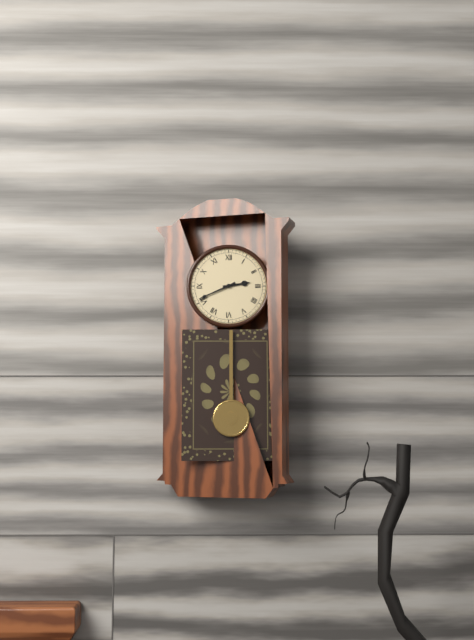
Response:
h=2 m=41
